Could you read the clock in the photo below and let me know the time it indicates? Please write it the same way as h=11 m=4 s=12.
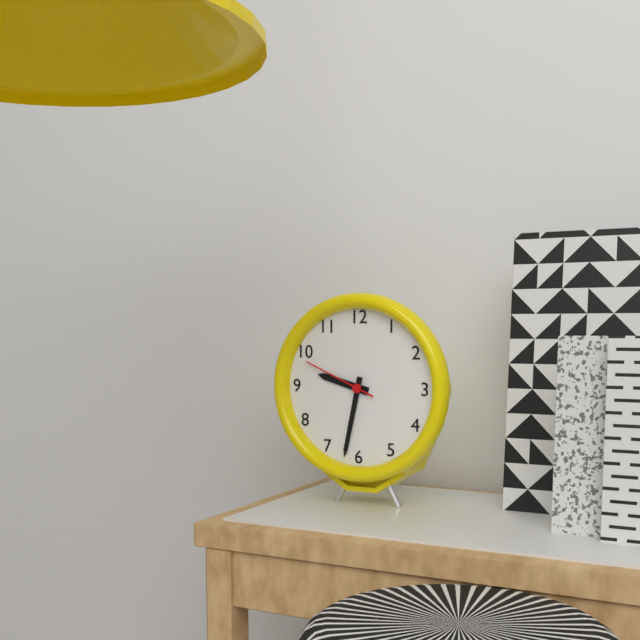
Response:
h=9 m=32 s=49
